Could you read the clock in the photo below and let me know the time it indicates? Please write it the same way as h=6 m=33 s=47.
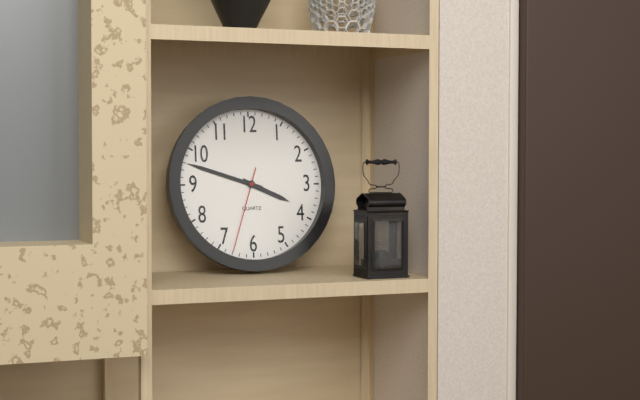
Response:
h=3 m=48 s=33
